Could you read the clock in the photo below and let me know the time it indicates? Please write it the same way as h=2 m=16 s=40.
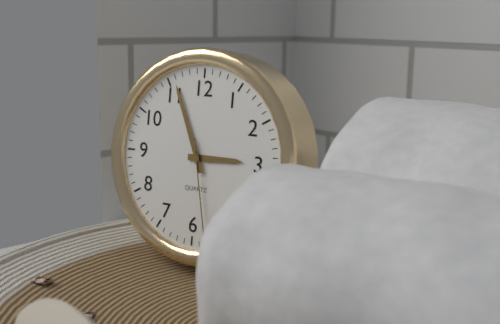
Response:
h=2 m=56 s=28
